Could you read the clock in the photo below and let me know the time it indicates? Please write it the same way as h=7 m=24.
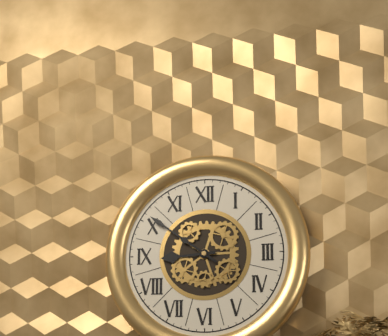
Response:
h=8 m=51
